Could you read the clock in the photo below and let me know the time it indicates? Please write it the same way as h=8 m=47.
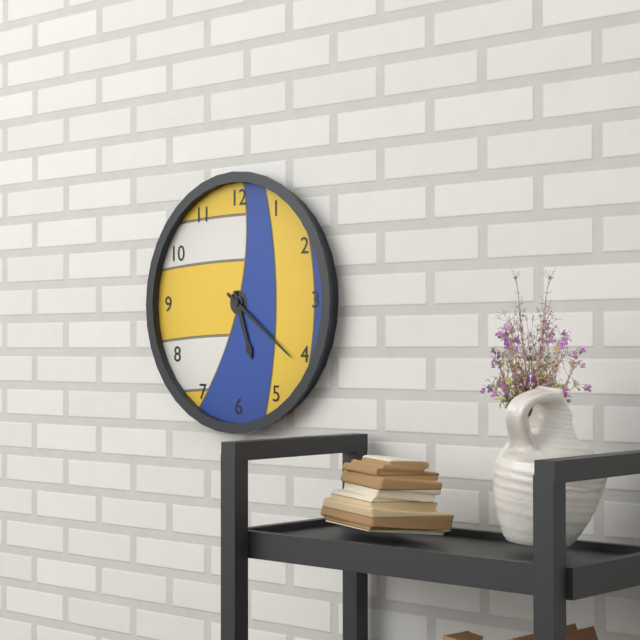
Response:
h=5 m=21
